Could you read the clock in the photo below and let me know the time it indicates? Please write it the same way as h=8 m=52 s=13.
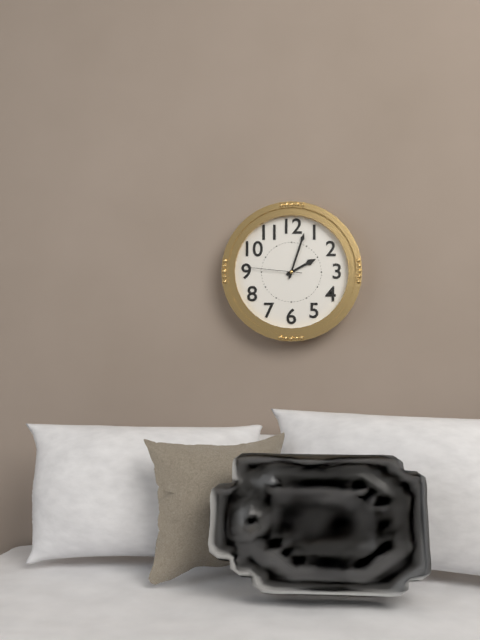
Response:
h=2 m=3 s=46
